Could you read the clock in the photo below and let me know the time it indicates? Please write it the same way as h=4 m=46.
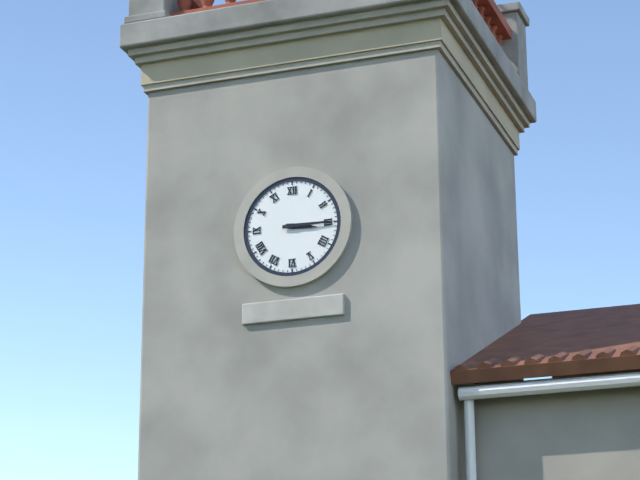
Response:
h=3 m=15
